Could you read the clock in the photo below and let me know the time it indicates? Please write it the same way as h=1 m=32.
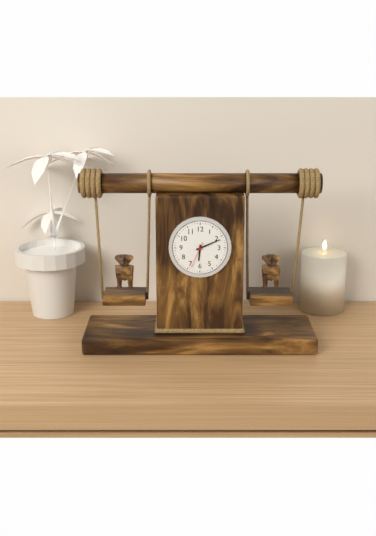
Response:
h=6 m=11
